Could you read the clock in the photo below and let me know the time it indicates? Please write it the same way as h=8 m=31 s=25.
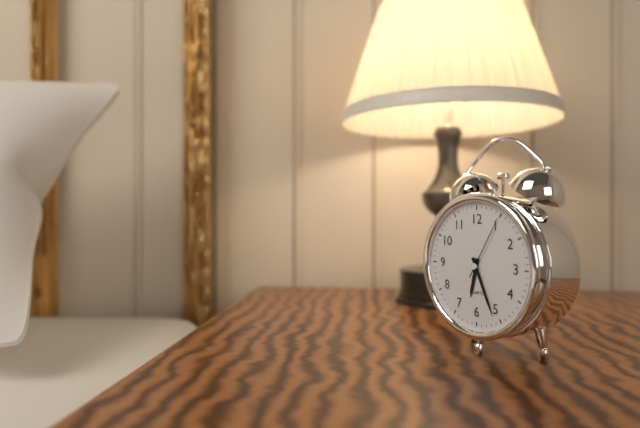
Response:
h=6 m=26 s=5
